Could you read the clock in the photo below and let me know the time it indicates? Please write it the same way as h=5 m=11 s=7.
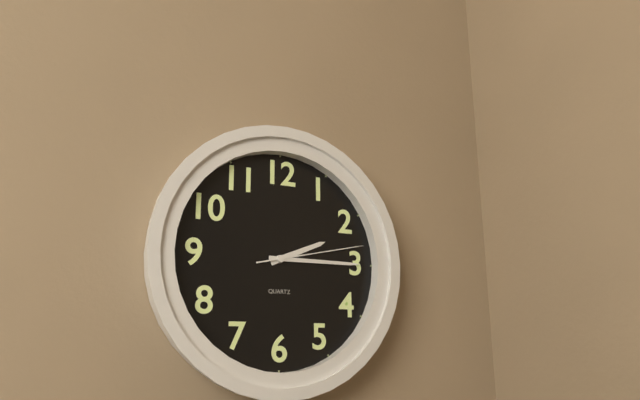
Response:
h=2 m=15 s=13
